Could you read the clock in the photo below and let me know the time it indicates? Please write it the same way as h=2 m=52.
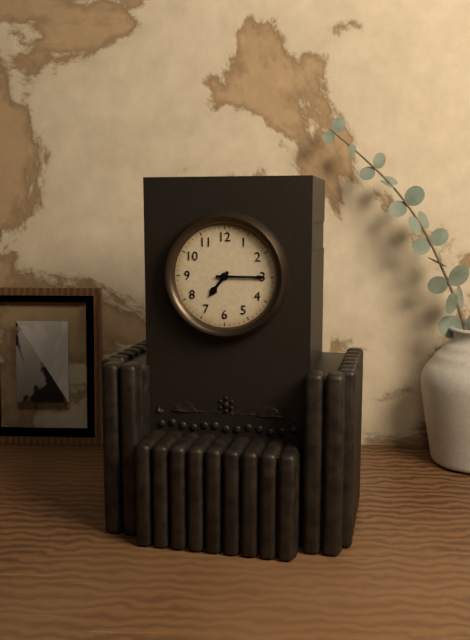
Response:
h=7 m=15
